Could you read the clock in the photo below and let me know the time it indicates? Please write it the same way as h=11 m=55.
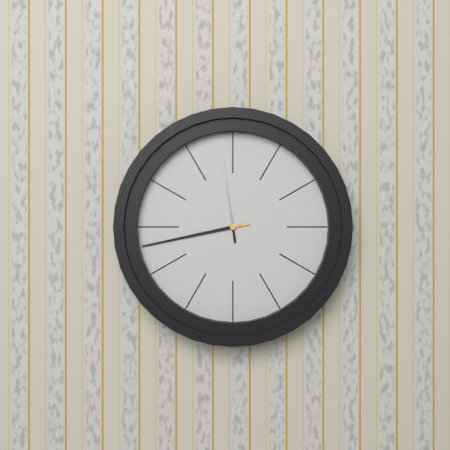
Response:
h=11 m=43
